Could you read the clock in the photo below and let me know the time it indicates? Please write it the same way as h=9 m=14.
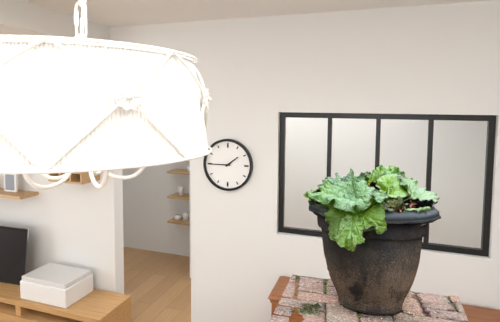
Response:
h=1 m=45
